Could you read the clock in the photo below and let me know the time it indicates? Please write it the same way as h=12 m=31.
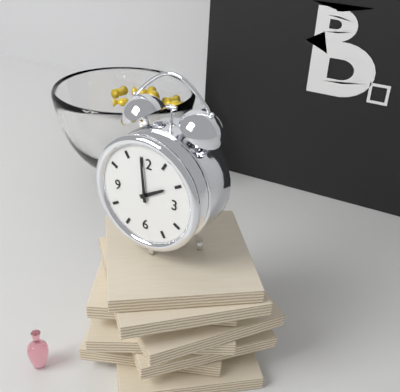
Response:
h=1 m=59
